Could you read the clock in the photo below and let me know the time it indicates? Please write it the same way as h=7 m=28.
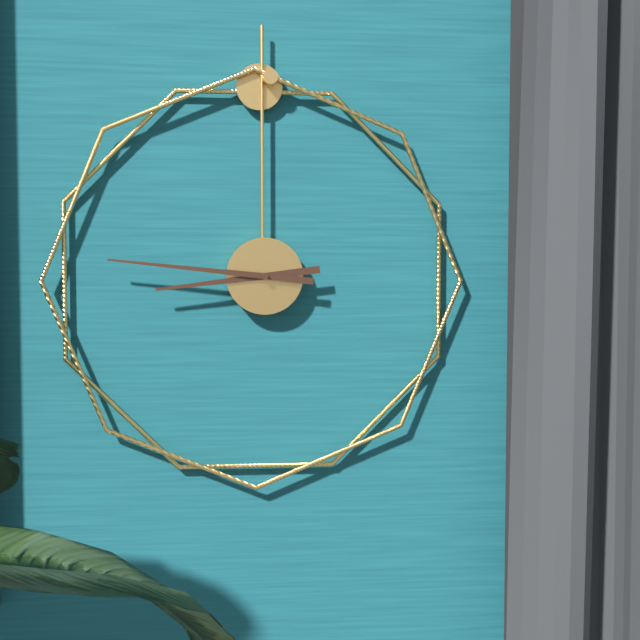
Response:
h=8 m=46
